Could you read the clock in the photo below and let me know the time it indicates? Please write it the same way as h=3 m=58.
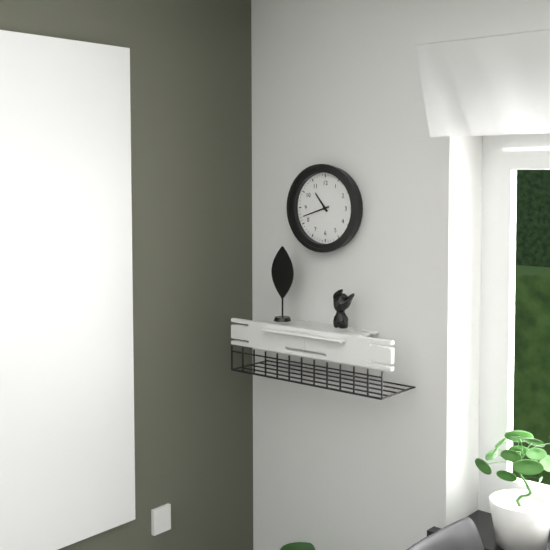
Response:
h=10 m=42
